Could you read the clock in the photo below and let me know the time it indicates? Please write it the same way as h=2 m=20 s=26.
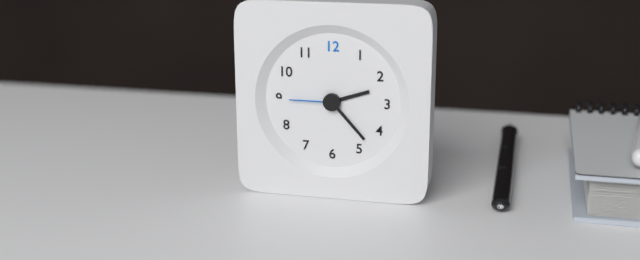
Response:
h=2 m=23 s=45
